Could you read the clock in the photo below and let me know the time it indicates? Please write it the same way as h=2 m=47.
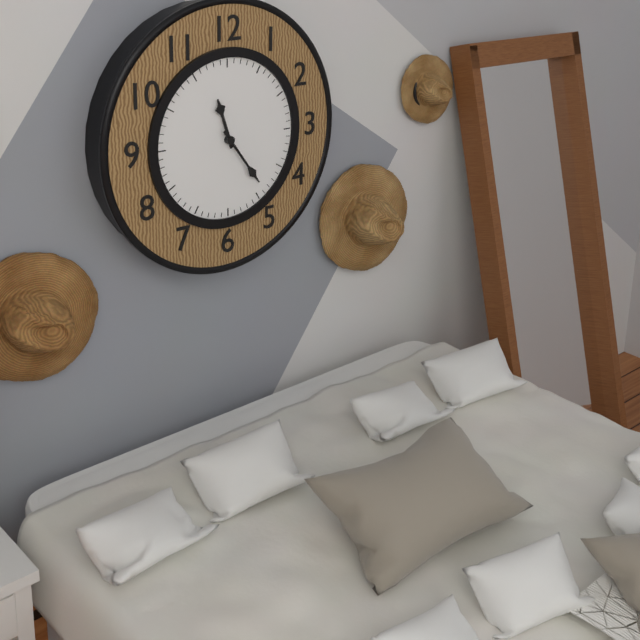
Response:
h=11 m=24
